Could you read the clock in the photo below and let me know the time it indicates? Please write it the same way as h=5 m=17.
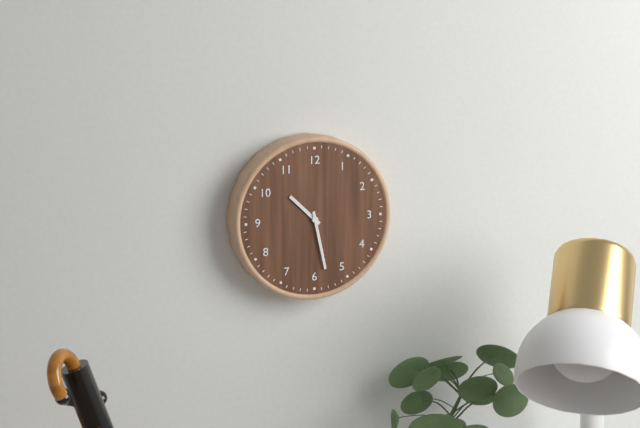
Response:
h=10 m=28
